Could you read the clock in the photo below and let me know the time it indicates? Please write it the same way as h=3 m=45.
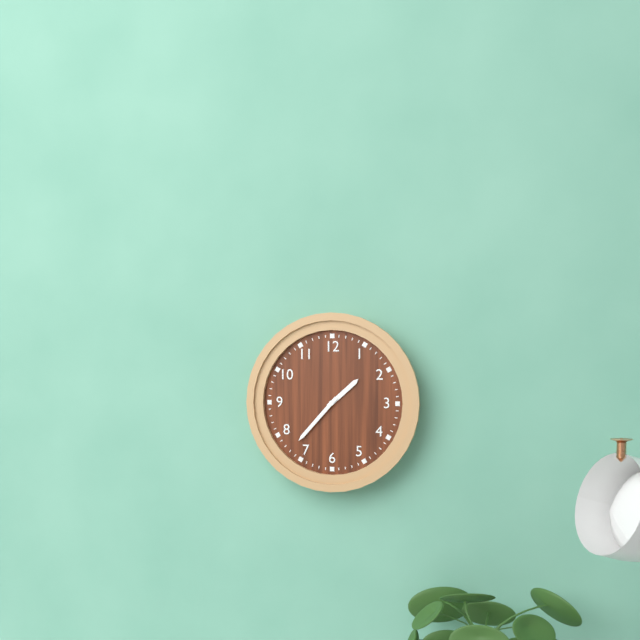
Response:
h=1 m=37
